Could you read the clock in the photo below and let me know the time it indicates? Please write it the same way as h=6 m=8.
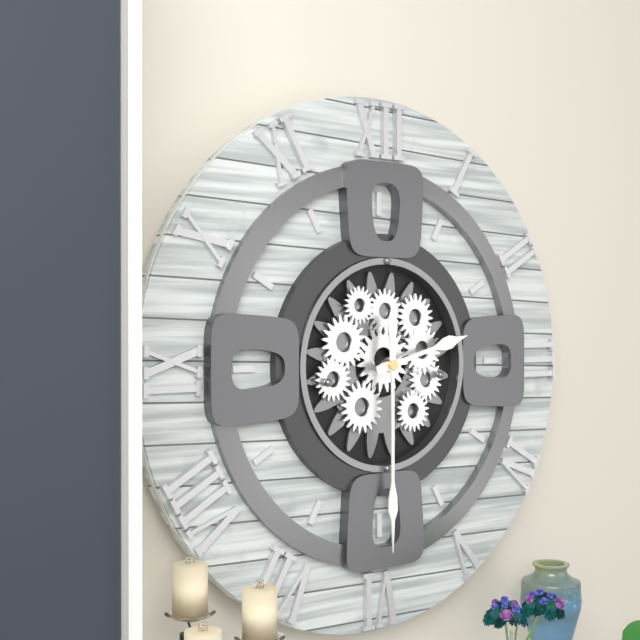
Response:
h=2 m=30
